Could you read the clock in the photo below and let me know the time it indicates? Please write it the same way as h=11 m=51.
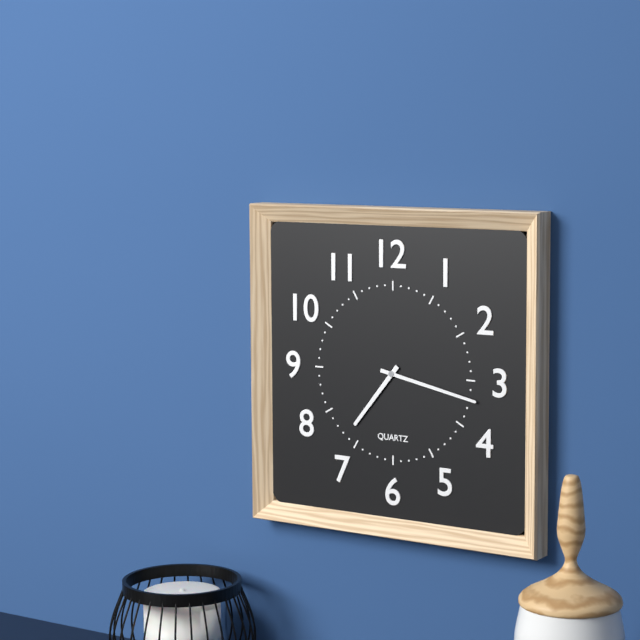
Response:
h=7 m=17
